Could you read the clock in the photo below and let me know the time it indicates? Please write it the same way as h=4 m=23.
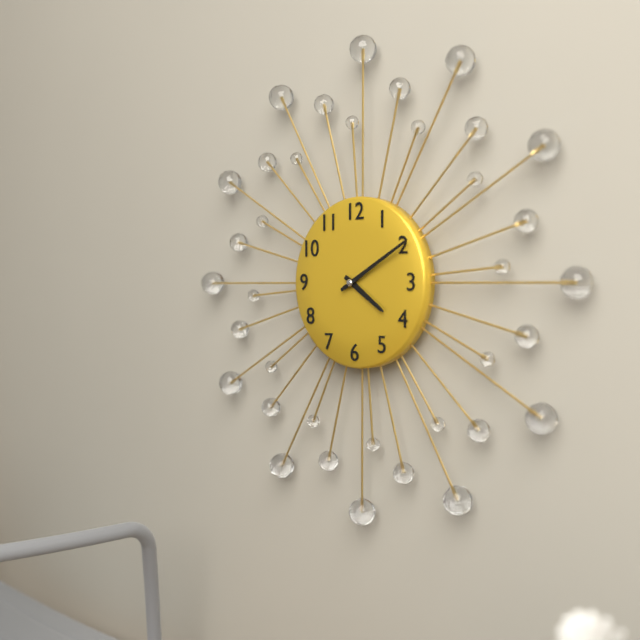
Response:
h=4 m=10
